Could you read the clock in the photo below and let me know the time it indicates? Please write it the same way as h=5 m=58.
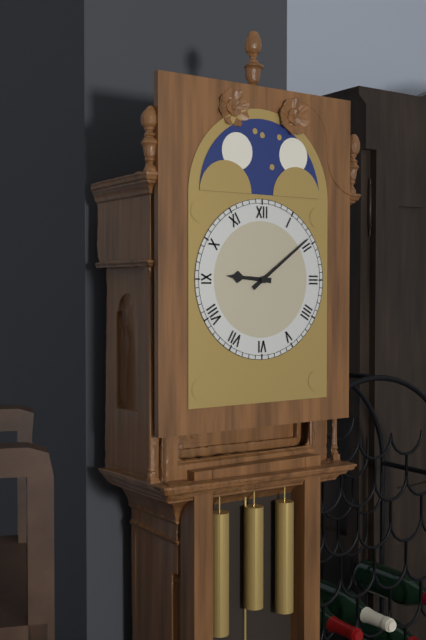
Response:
h=9 m=9
